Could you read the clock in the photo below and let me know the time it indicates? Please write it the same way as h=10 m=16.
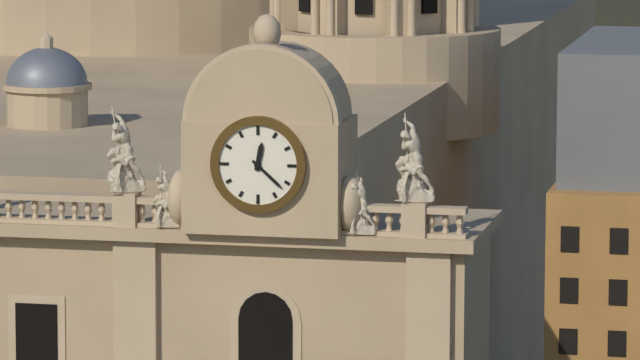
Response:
h=12 m=22
